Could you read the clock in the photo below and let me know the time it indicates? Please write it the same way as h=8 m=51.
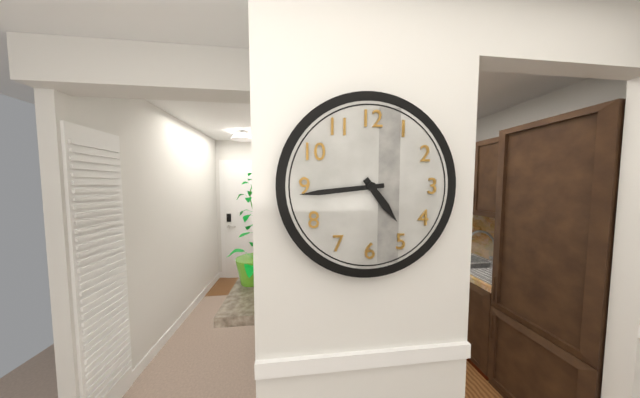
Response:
h=4 m=44
